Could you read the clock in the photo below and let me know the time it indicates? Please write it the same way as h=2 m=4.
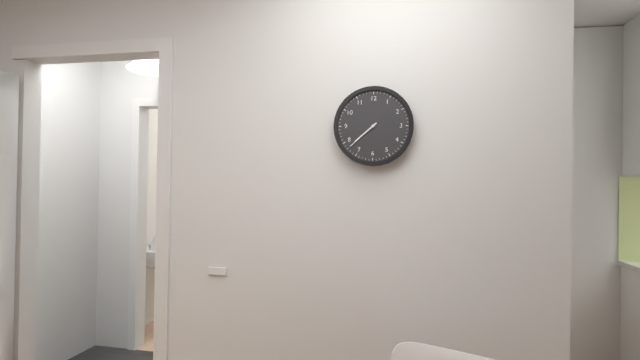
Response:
h=7 m=38
